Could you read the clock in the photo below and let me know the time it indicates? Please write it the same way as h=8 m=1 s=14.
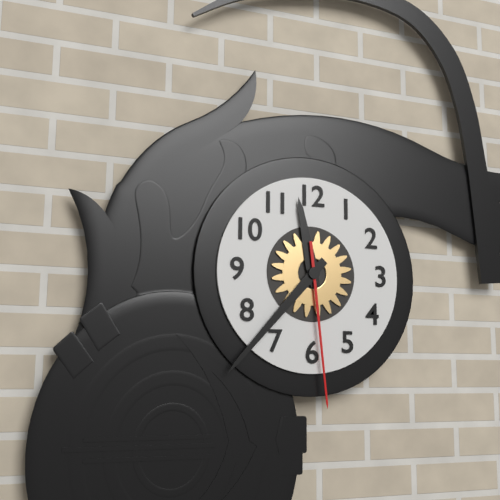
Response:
h=11 m=37 s=29
